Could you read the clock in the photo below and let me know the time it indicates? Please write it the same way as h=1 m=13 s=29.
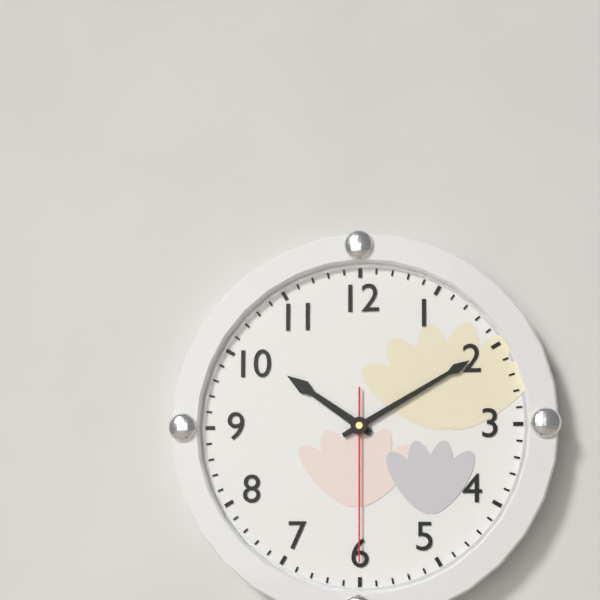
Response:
h=10 m=10 s=30
